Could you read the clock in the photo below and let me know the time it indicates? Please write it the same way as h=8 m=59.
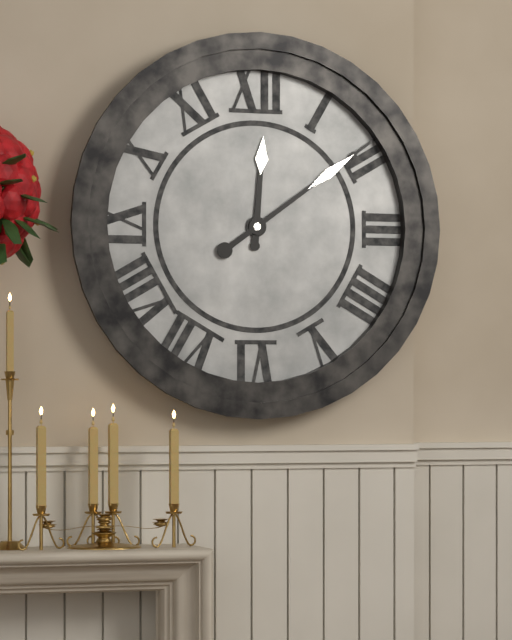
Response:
h=12 m=9
